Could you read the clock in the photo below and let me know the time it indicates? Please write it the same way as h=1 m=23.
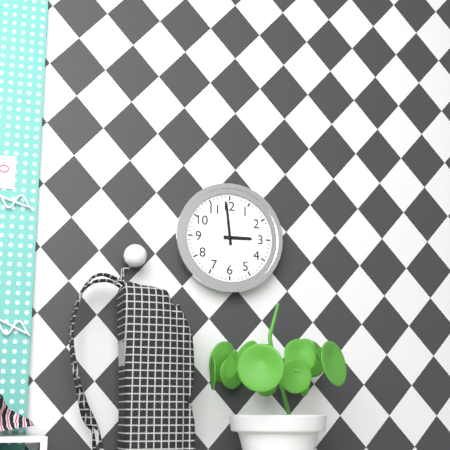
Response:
h=2 m=59
